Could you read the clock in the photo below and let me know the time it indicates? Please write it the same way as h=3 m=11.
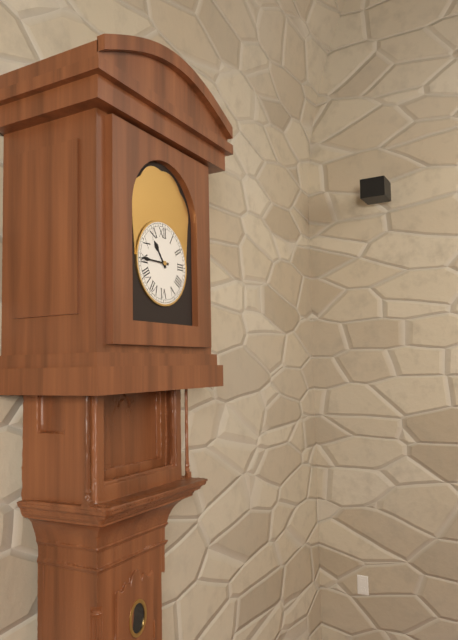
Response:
h=10 m=45
